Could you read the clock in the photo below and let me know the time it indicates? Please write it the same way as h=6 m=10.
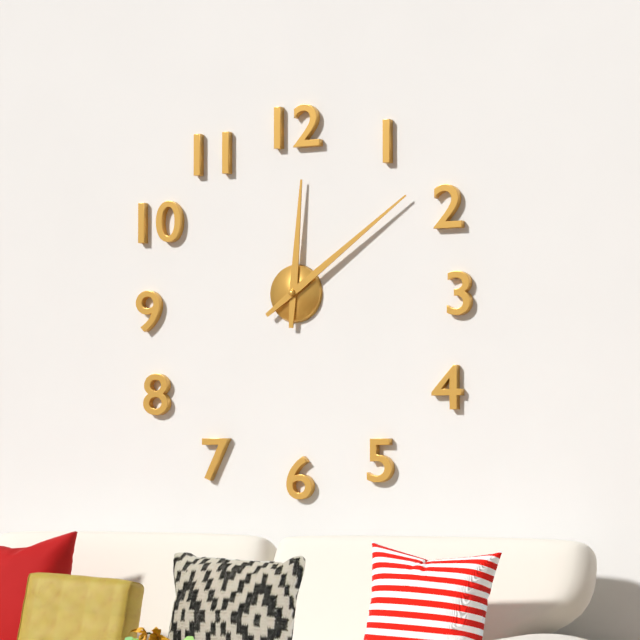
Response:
h=12 m=9
